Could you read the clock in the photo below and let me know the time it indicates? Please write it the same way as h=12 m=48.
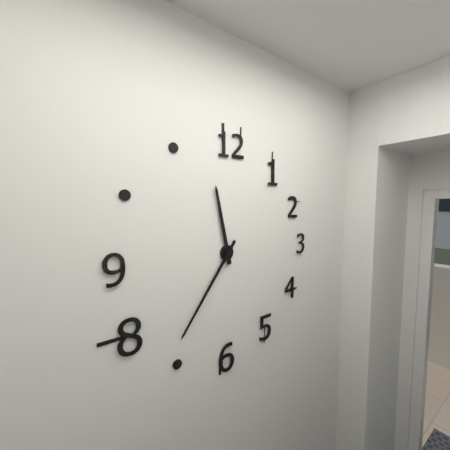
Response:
h=11 m=36
